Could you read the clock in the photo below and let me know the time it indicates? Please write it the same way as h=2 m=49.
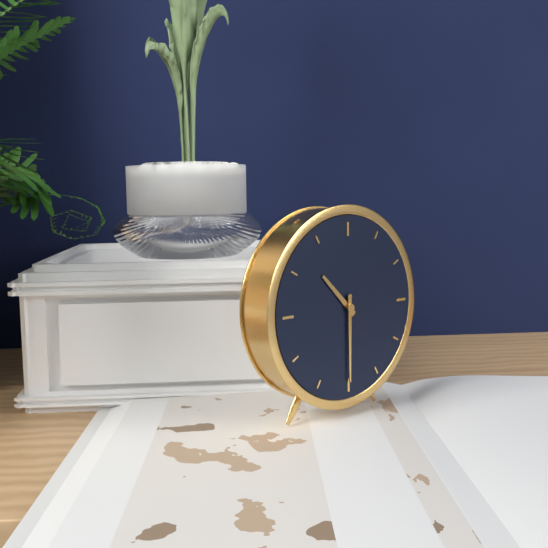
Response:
h=10 m=30
